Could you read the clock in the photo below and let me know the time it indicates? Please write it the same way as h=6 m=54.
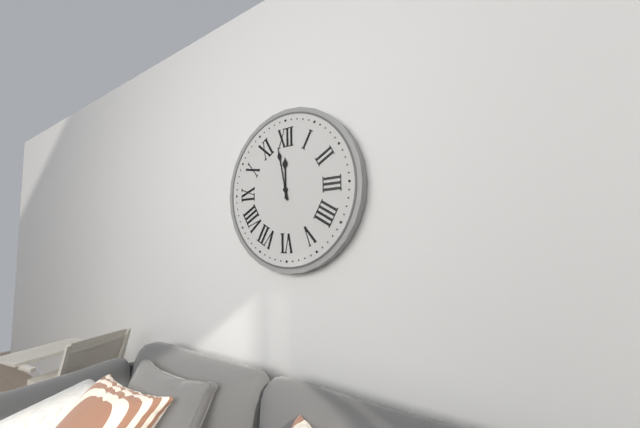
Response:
h=11 m=58
